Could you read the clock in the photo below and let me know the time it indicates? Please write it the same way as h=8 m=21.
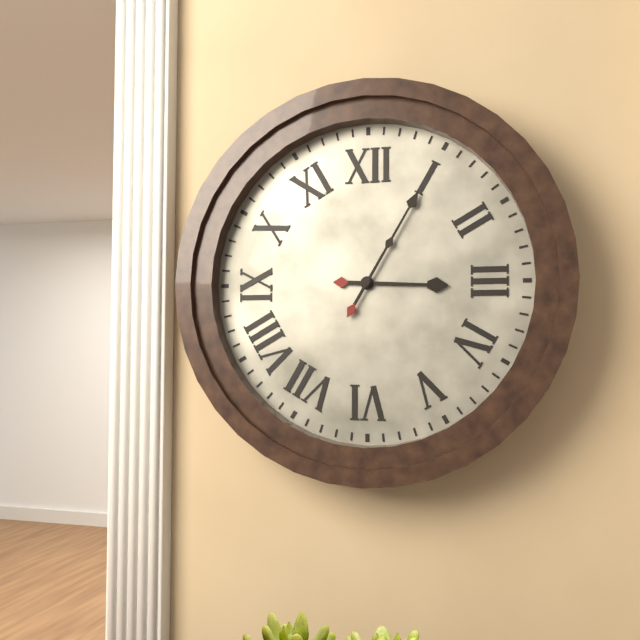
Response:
h=3 m=5
